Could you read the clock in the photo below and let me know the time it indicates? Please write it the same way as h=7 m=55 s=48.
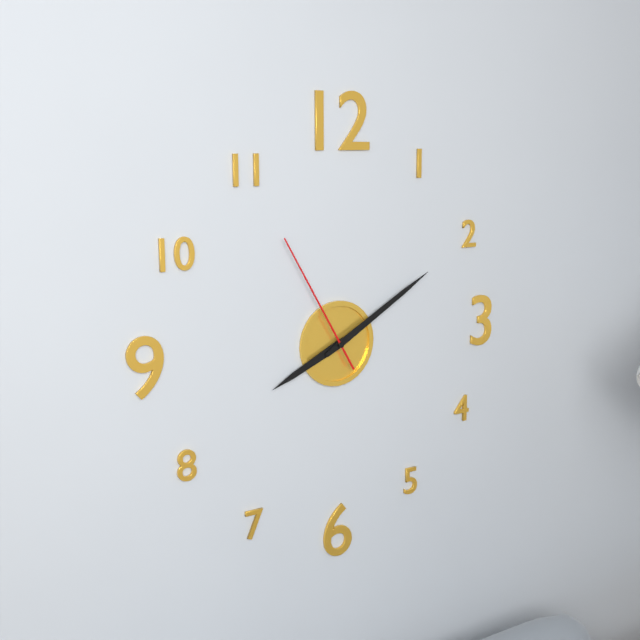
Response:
h=8 m=10 s=55
